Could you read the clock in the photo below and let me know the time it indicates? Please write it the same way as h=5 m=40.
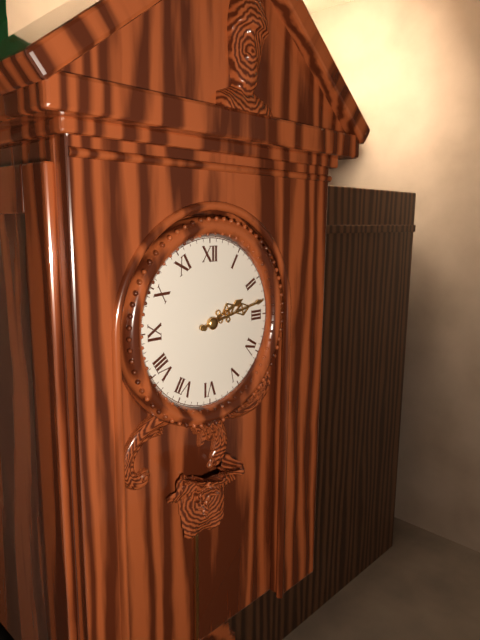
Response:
h=2 m=13
